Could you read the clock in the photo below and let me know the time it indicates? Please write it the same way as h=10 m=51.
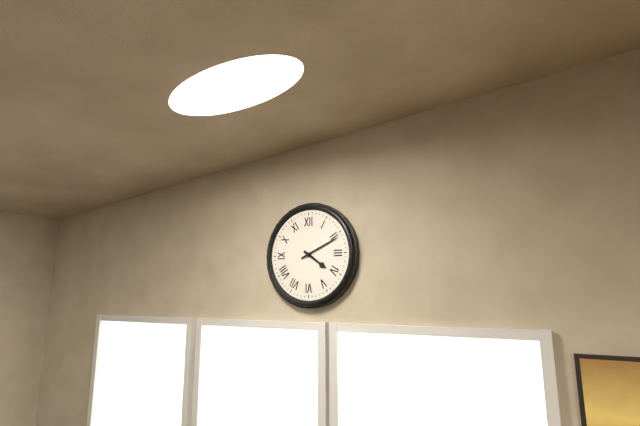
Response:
h=4 m=11
